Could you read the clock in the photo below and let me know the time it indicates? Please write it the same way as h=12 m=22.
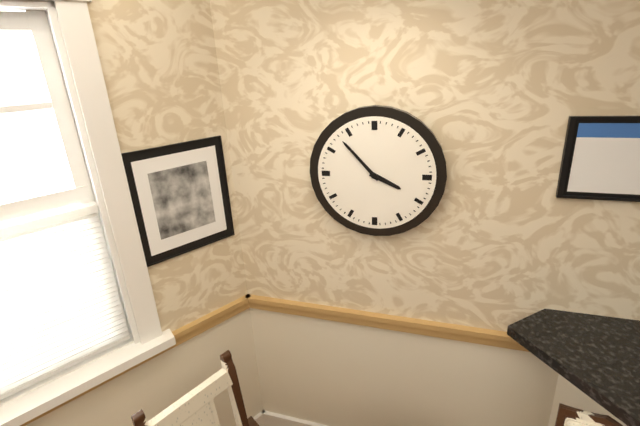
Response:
h=3 m=53
